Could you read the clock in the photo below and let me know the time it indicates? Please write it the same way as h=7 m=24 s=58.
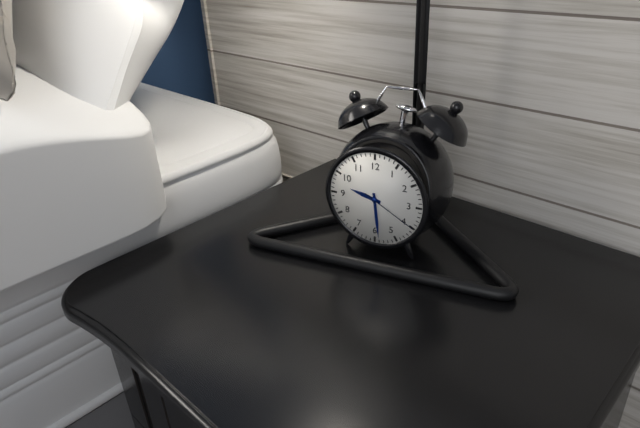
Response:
h=9 m=29 s=20
